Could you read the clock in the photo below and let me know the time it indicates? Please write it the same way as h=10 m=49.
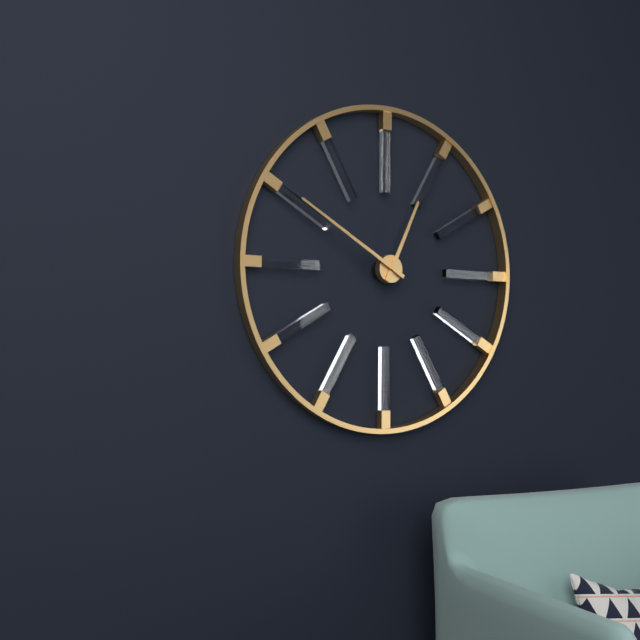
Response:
h=12 m=50
